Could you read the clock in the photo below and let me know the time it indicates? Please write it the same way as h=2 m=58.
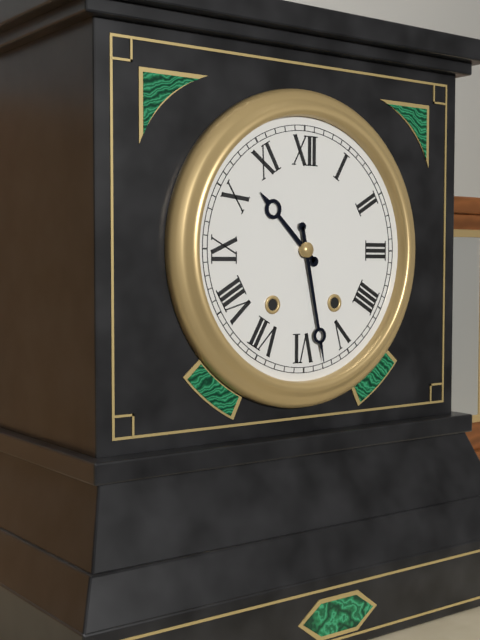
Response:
h=10 m=28
